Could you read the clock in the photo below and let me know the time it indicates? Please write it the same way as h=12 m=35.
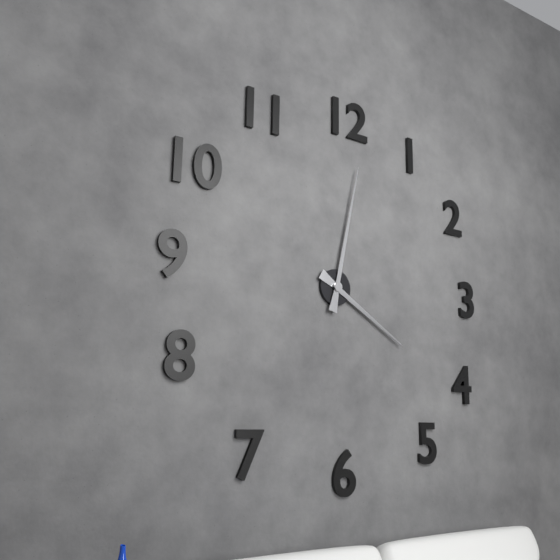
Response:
h=4 m=2
